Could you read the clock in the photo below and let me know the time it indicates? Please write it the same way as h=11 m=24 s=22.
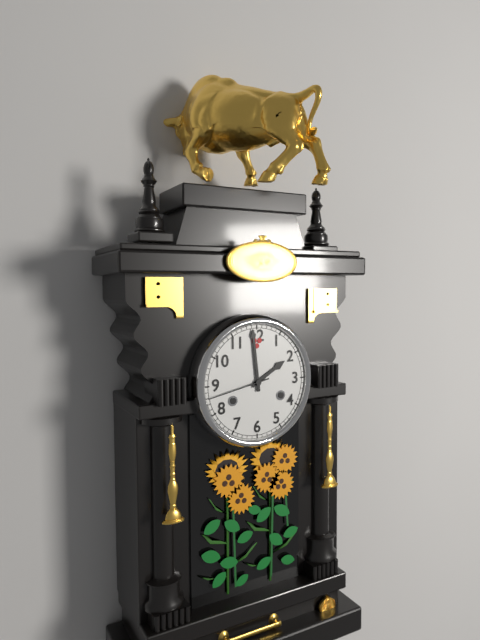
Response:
h=1 m=59 s=43
